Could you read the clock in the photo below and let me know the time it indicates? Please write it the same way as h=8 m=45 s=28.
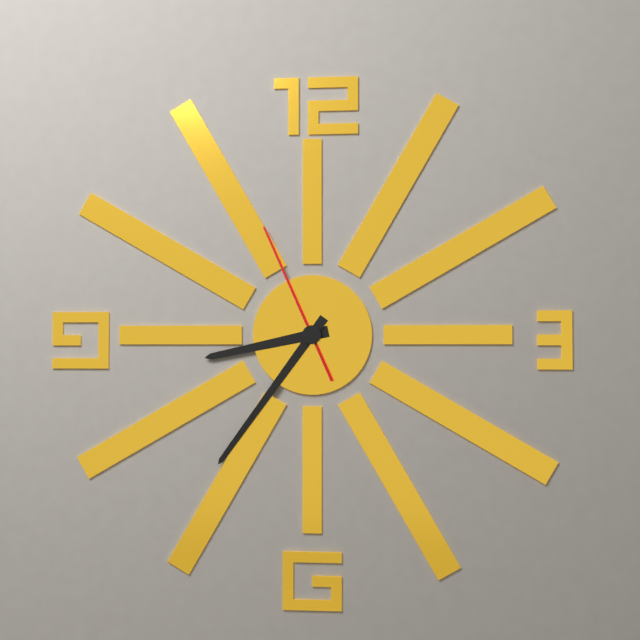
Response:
h=8 m=36 s=56
